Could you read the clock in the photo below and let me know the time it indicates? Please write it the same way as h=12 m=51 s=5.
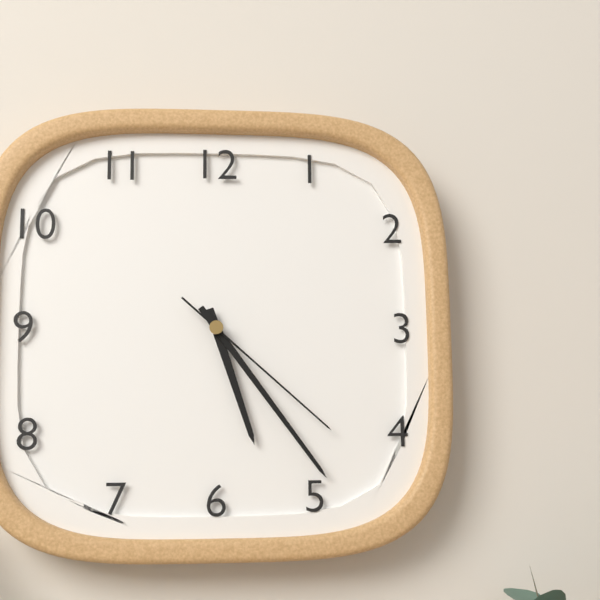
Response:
h=5 m=24 s=22
